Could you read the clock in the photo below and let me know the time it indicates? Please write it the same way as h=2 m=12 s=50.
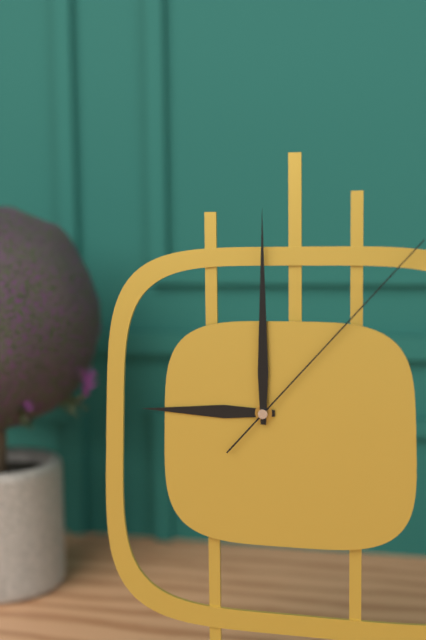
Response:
h=9 m=0 s=7
